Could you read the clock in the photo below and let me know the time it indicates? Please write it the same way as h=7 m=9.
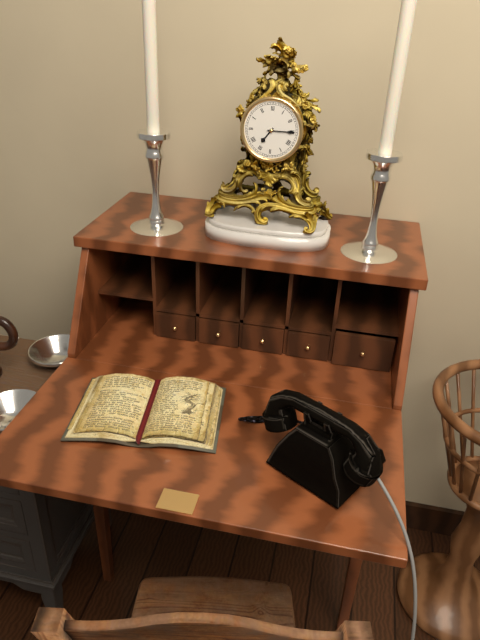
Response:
h=7 m=15
